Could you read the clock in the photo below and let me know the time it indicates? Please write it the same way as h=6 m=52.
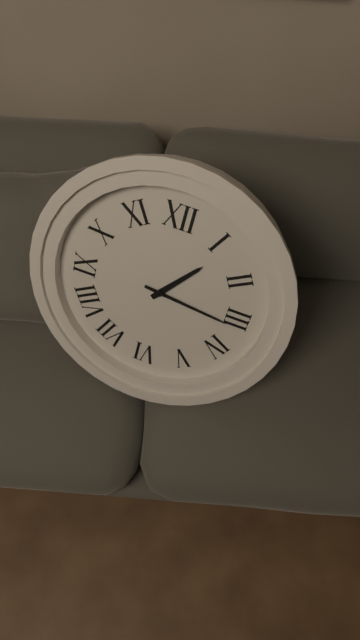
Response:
h=1 m=16
